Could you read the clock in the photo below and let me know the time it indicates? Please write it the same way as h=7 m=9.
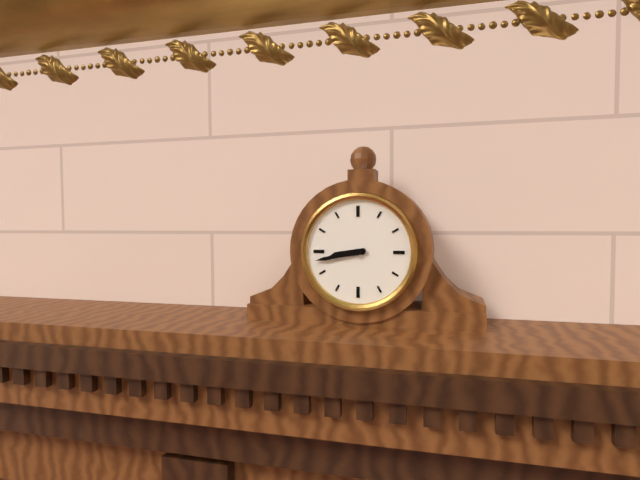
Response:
h=8 m=43
